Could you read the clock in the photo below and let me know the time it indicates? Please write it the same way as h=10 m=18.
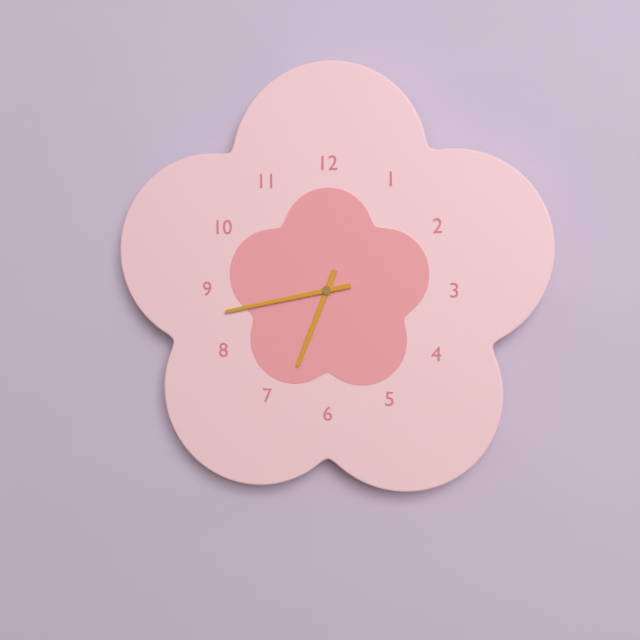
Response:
h=6 m=43
